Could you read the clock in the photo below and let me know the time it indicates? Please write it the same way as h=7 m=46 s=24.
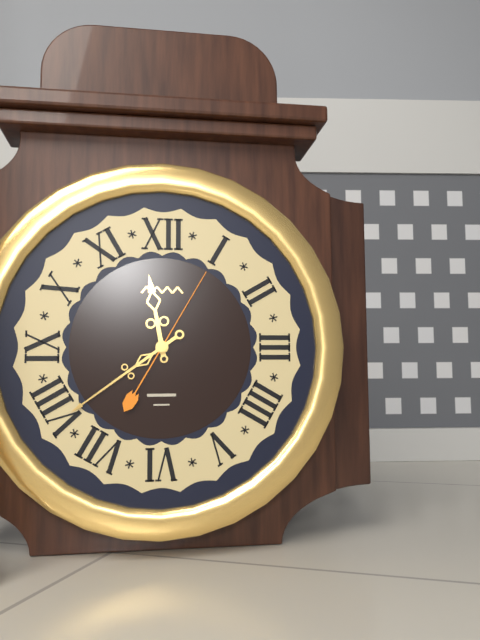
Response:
h=11 m=39 s=5
